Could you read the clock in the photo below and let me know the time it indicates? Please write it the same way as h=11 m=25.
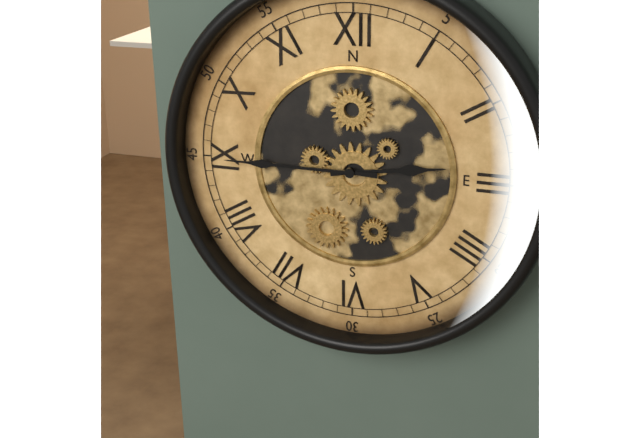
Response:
h=2 m=45
